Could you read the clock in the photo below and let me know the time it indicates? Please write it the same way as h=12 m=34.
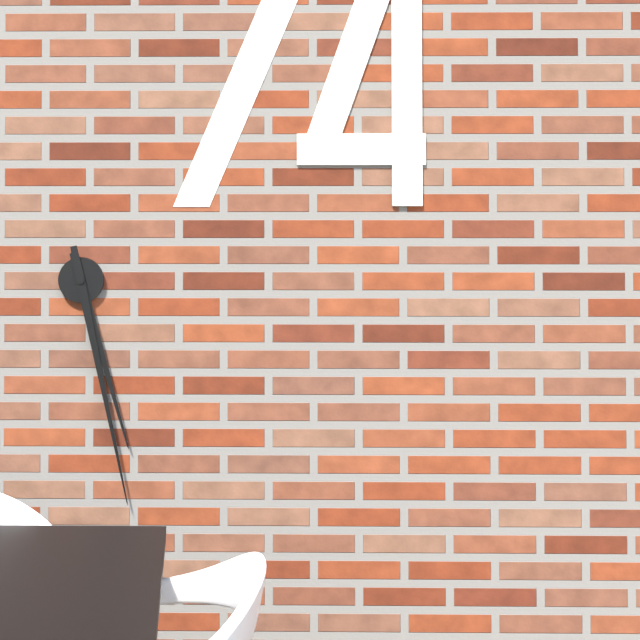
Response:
h=5 m=28
